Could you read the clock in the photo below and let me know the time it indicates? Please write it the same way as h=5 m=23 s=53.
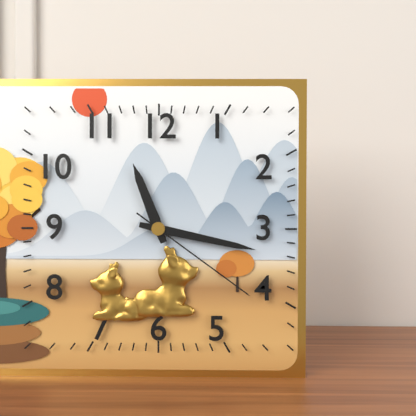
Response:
h=11 m=17 s=21
